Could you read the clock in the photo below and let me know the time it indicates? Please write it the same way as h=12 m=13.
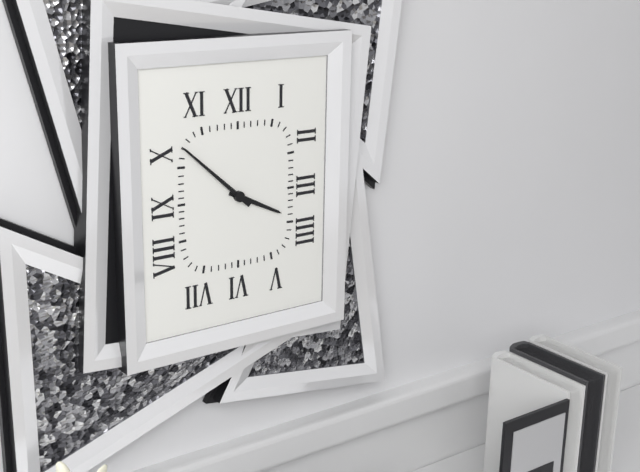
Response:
h=3 m=52
